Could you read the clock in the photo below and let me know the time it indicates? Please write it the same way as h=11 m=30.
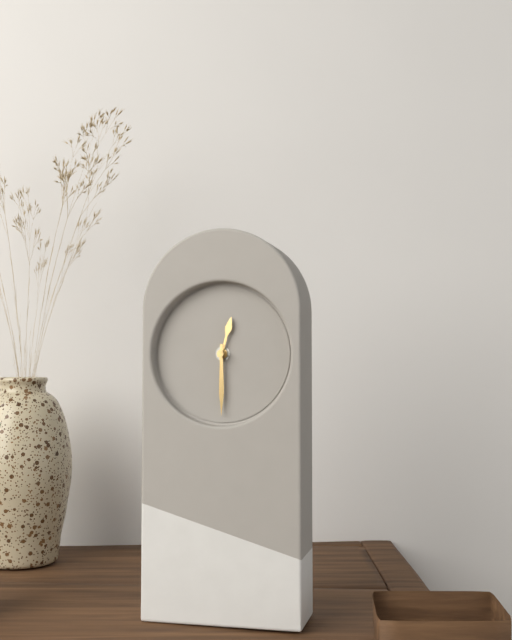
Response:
h=12 m=30
